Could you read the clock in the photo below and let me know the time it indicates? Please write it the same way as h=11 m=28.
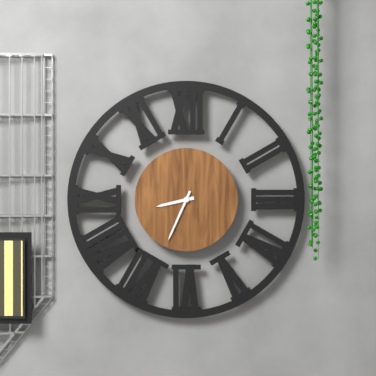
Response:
h=8 m=34
